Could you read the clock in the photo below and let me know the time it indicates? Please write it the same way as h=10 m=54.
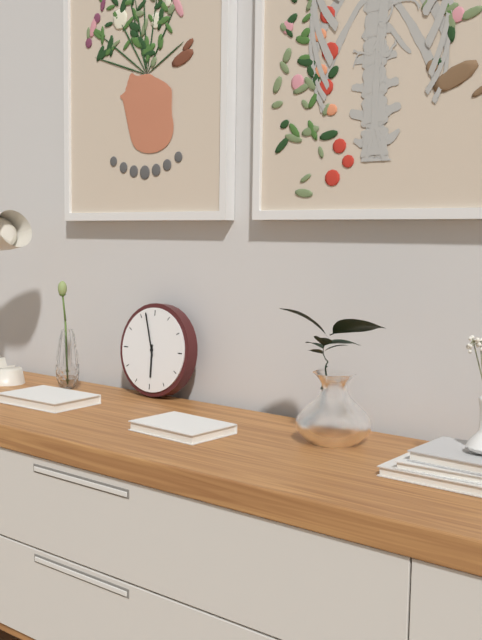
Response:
h=5 m=57
